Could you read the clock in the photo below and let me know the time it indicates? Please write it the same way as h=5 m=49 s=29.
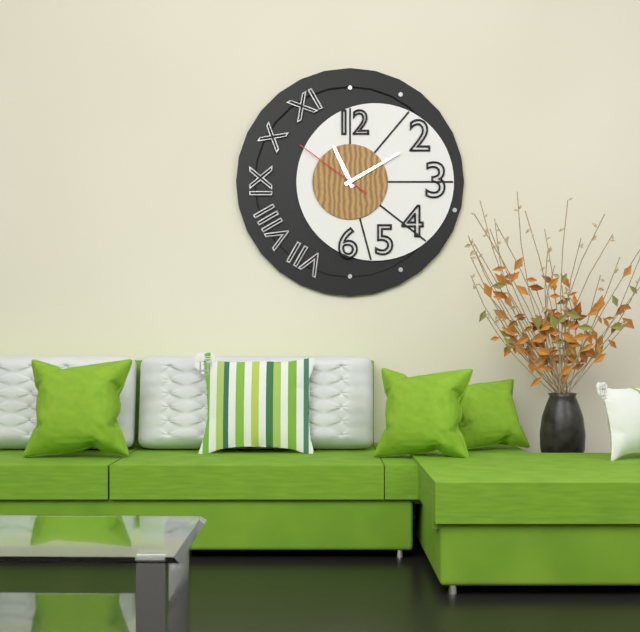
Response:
h=11 m=10 s=51
